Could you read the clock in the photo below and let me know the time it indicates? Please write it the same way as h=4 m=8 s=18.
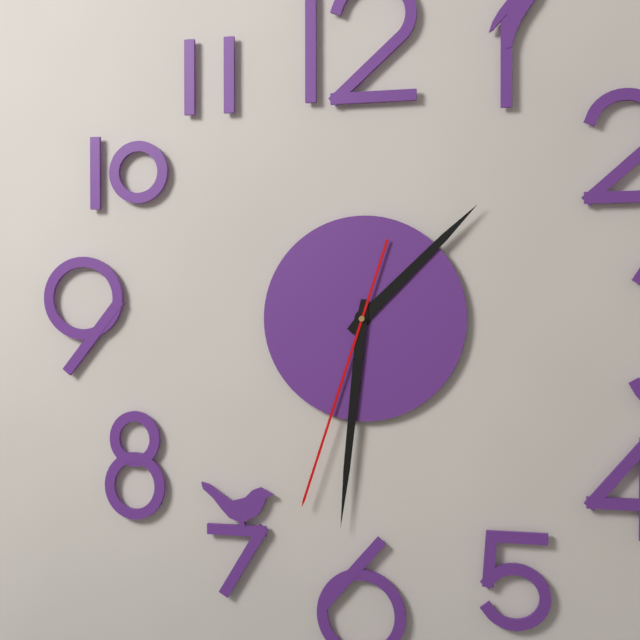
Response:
h=1 m=31 s=33
